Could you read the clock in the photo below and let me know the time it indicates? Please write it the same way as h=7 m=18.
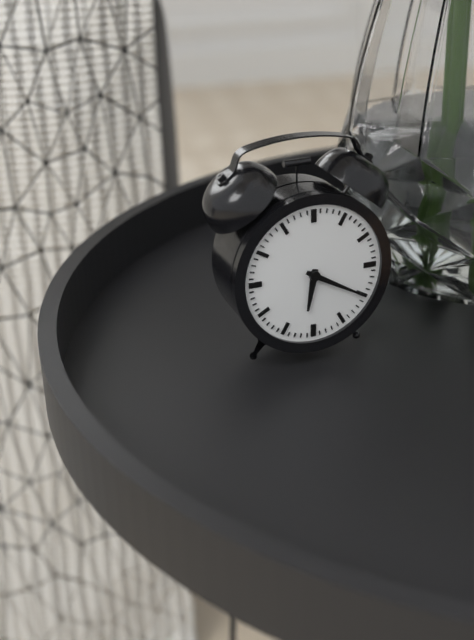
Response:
h=6 m=20
